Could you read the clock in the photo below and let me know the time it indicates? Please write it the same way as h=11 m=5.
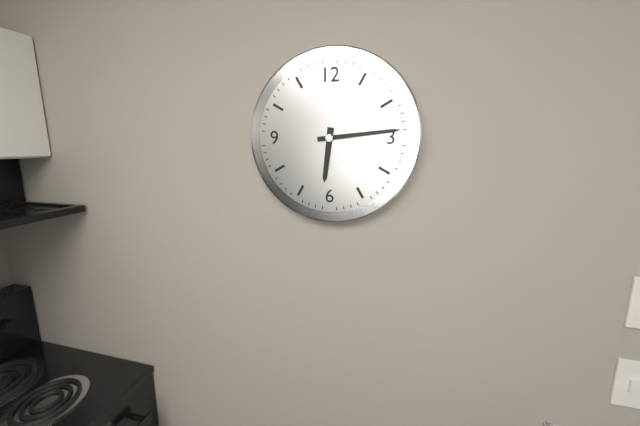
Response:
h=6 m=14
